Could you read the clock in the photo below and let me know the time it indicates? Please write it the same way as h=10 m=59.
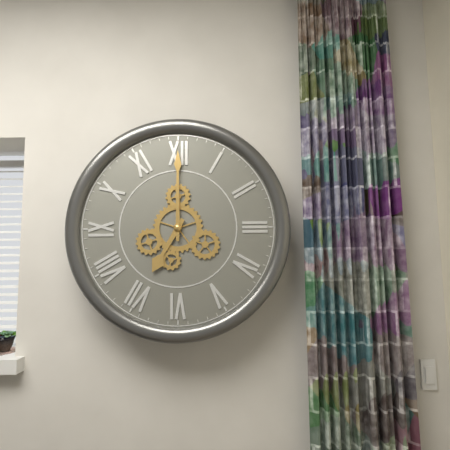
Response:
h=7 m=0
